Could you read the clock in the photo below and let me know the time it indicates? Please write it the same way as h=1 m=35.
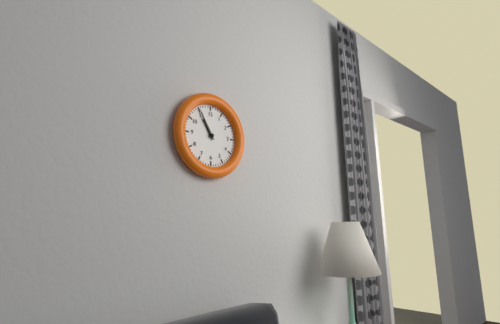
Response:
h=10 m=55
